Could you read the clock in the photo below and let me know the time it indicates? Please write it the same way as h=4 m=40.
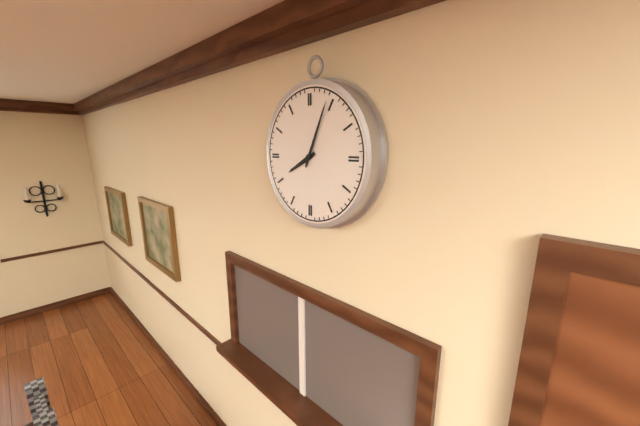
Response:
h=8 m=4
